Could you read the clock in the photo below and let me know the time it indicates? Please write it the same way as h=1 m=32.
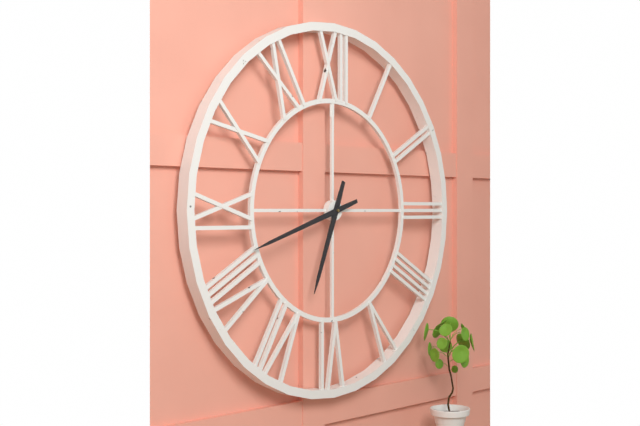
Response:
h=6 m=42
